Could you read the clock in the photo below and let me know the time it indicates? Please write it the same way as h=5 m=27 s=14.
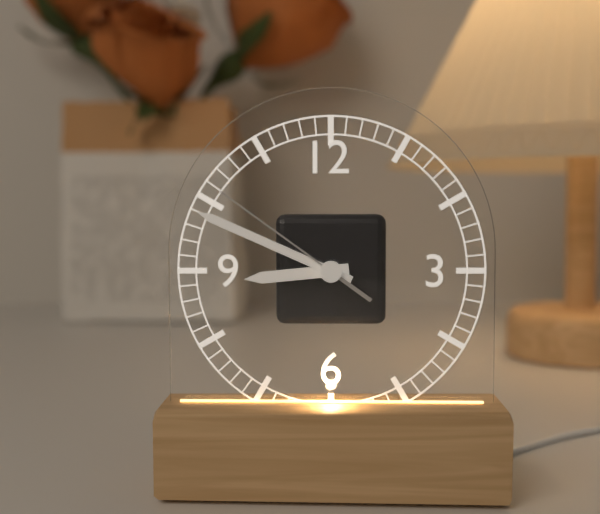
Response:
h=8 m=49 s=51
